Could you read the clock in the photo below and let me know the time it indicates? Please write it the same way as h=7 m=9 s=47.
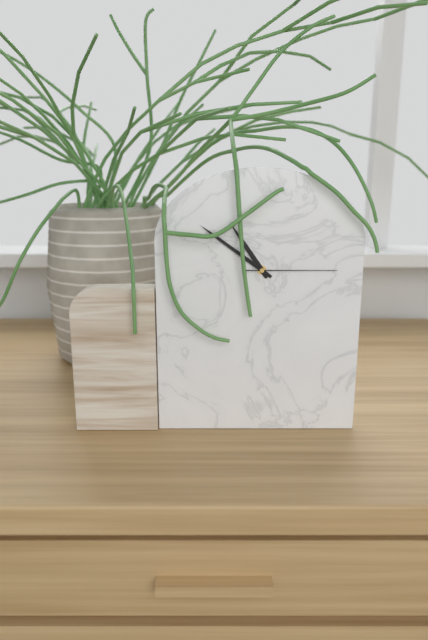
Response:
h=10 m=51 s=15
